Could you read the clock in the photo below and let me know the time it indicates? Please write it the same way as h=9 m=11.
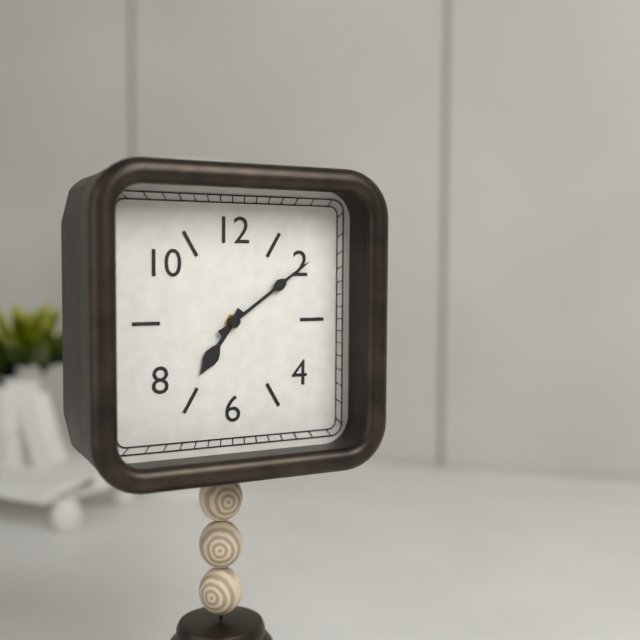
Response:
h=7 m=9
